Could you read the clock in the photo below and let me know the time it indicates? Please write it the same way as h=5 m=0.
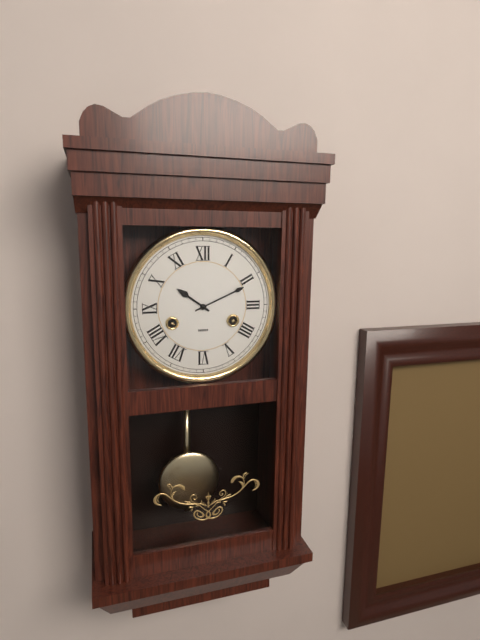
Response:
h=10 m=11
